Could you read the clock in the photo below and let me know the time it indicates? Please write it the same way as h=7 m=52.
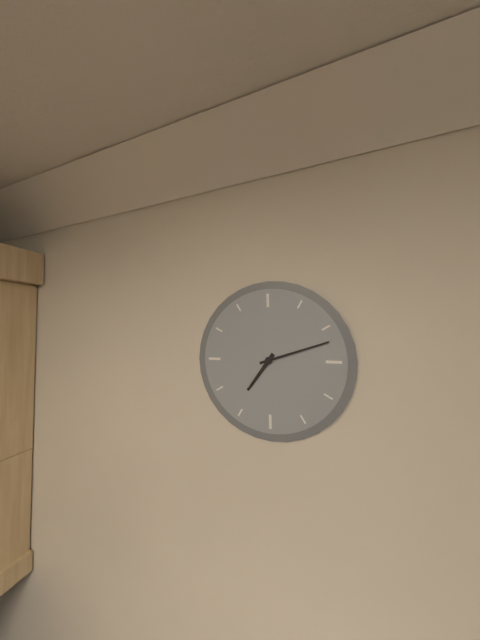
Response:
h=7 m=12
